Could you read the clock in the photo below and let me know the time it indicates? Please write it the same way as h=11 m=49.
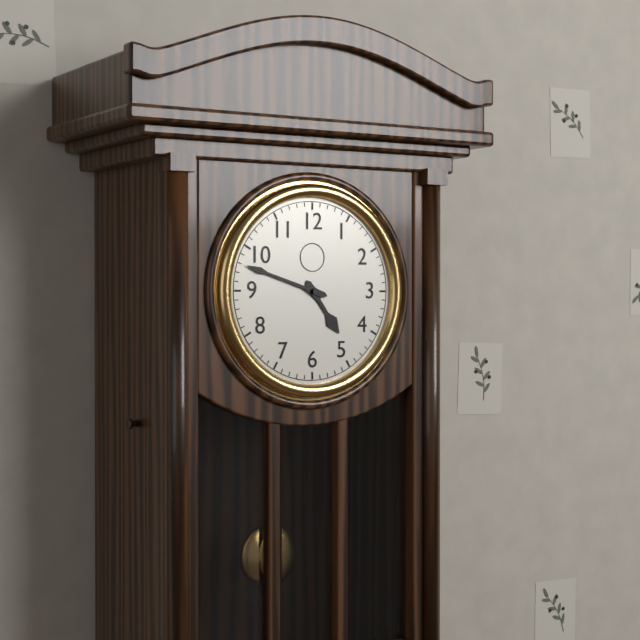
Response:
h=4 m=48
